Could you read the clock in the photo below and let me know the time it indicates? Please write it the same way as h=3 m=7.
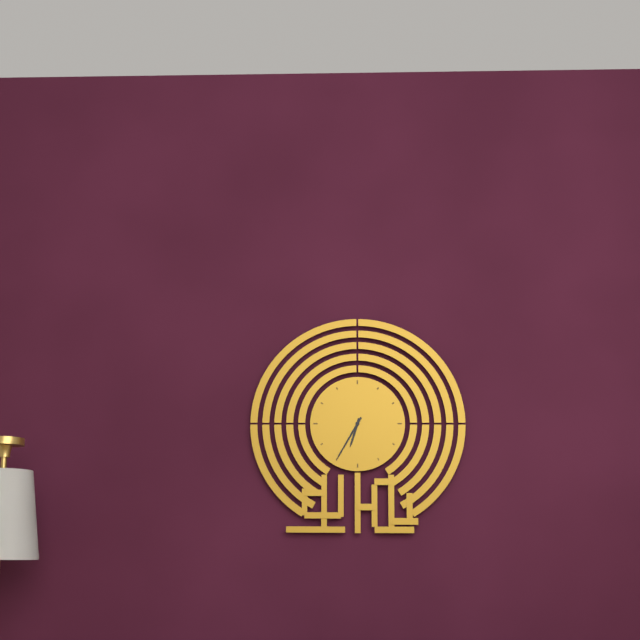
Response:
h=6 m=35
